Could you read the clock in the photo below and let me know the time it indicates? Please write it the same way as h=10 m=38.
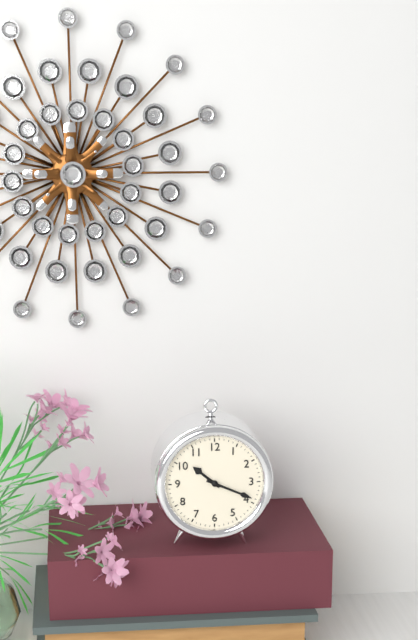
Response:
h=10 m=19
